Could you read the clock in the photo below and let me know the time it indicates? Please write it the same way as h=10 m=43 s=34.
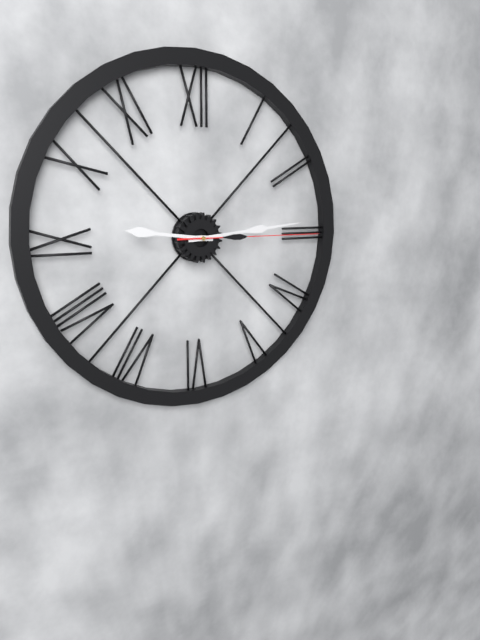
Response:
h=9 m=14 s=15
